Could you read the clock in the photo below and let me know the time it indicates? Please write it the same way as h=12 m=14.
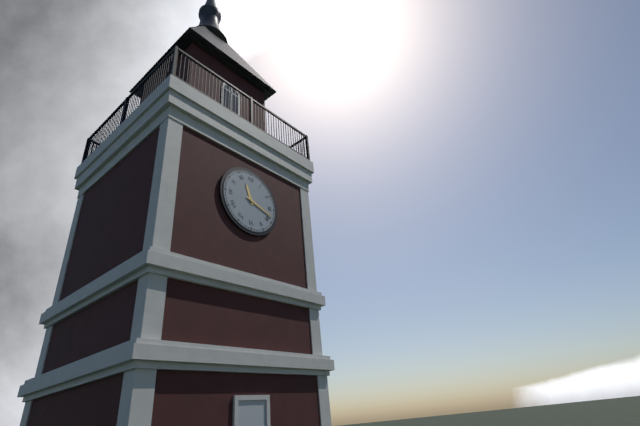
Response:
h=11 m=18
